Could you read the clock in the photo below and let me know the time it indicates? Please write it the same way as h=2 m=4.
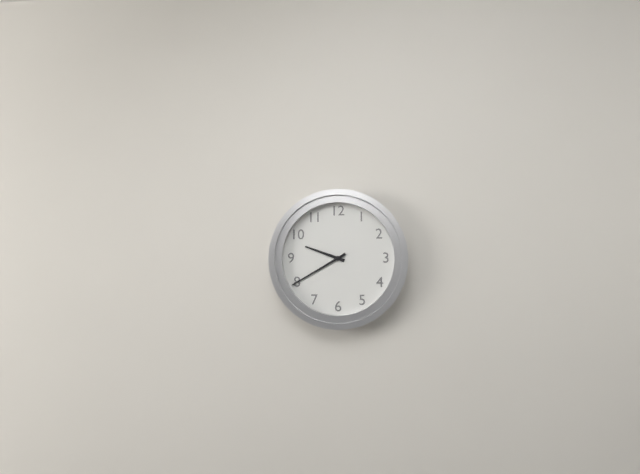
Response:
h=9 m=40
